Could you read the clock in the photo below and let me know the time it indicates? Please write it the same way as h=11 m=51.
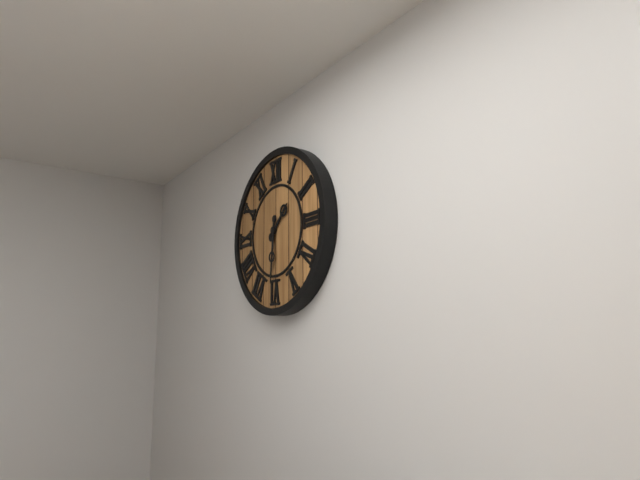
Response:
h=1 m=31
